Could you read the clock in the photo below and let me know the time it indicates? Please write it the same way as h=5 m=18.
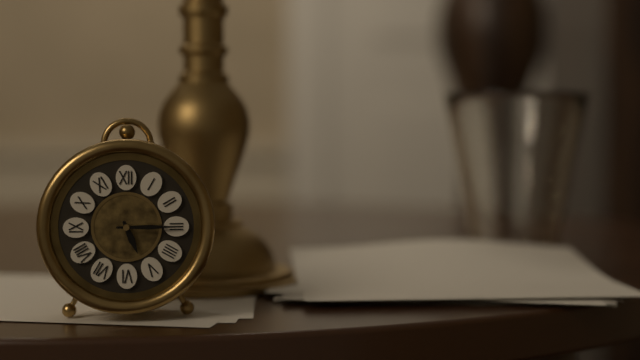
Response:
h=5 m=15
